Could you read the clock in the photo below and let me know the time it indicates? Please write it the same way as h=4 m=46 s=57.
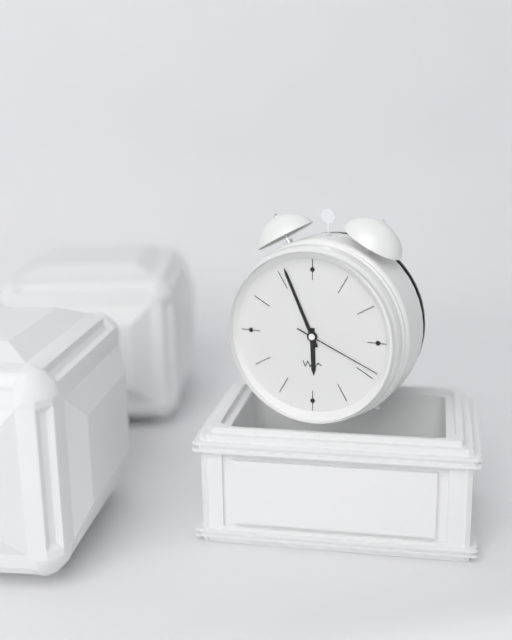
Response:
h=5 m=56 s=19
